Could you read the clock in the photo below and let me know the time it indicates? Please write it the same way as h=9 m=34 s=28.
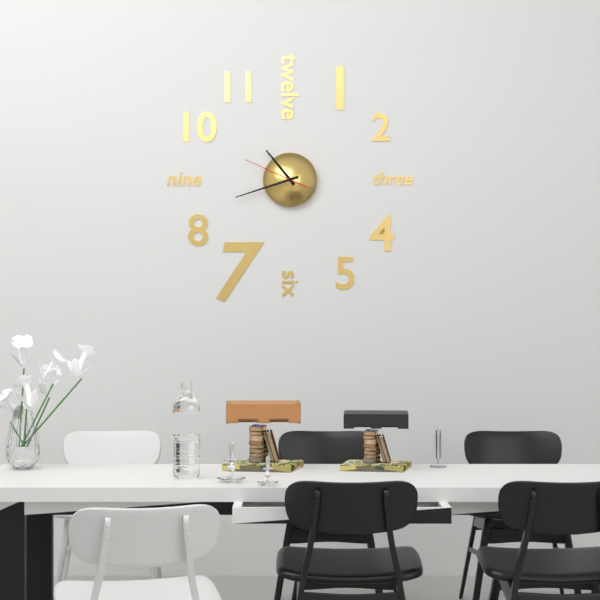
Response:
h=10 m=42 s=49
